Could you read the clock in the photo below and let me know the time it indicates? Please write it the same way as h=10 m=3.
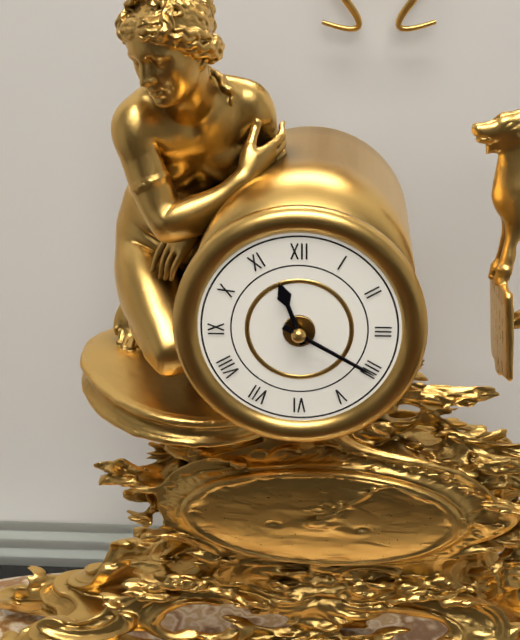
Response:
h=11 m=20
